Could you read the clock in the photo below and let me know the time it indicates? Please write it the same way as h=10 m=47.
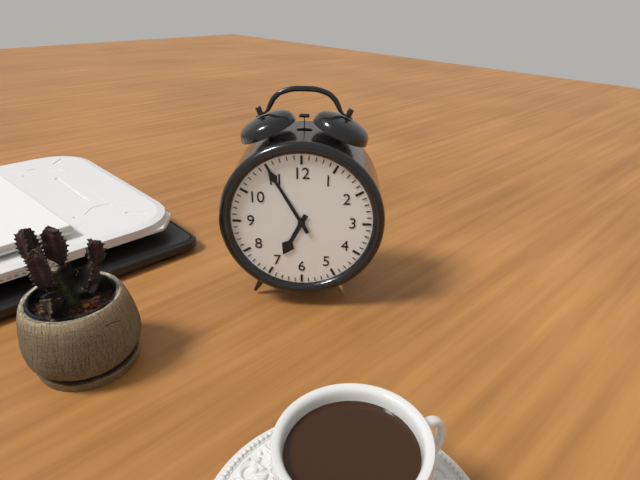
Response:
h=6 m=55
